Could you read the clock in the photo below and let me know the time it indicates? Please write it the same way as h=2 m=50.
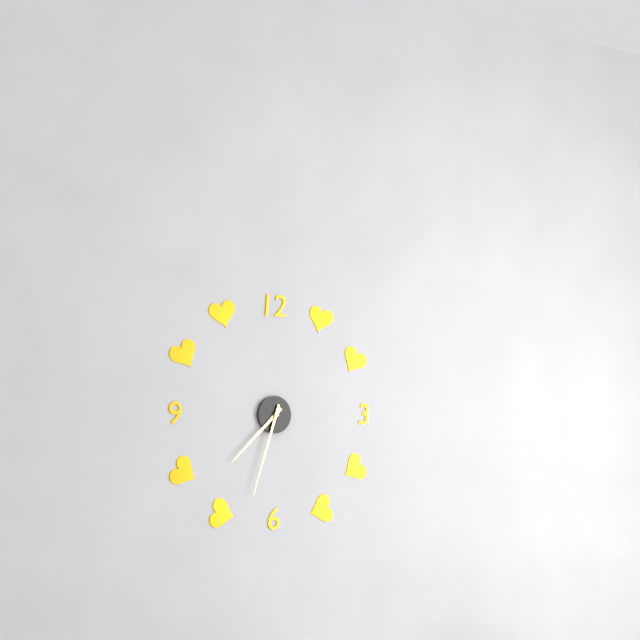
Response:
h=7 m=33
